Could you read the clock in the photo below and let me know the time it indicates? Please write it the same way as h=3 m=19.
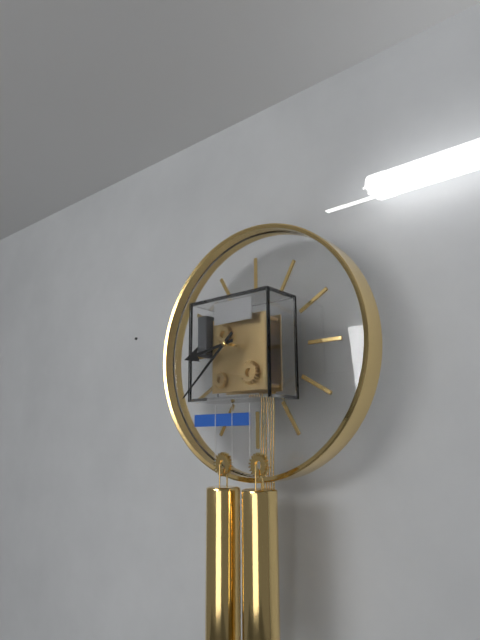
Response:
h=8 m=38
